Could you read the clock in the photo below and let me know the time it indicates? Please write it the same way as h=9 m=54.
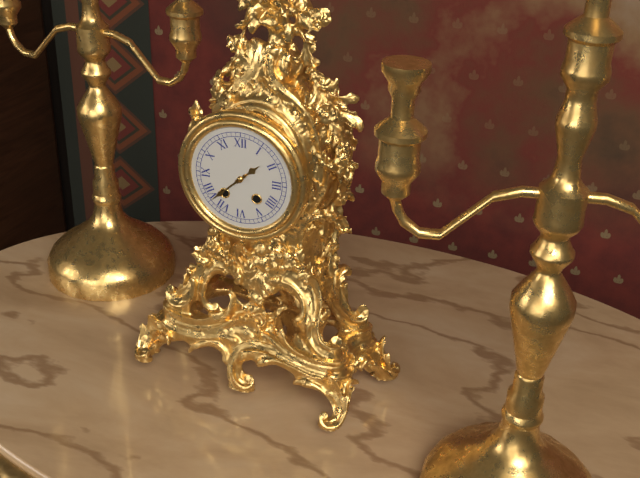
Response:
h=1 m=38
